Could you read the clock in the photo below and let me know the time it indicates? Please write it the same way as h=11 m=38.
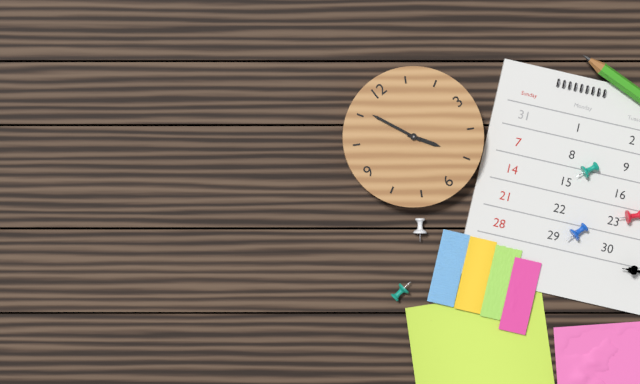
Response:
h=4 m=56
